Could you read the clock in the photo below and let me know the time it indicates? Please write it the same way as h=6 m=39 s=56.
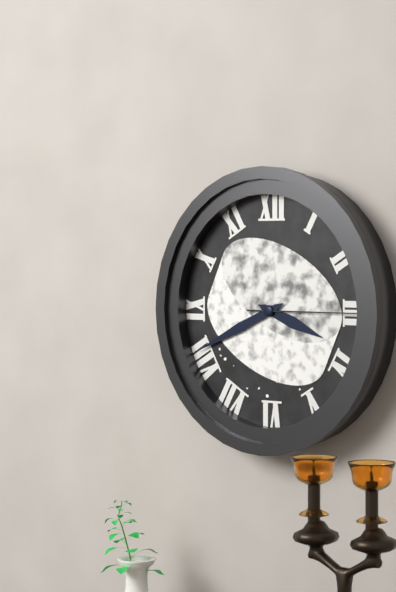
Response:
h=3 m=41 s=15
